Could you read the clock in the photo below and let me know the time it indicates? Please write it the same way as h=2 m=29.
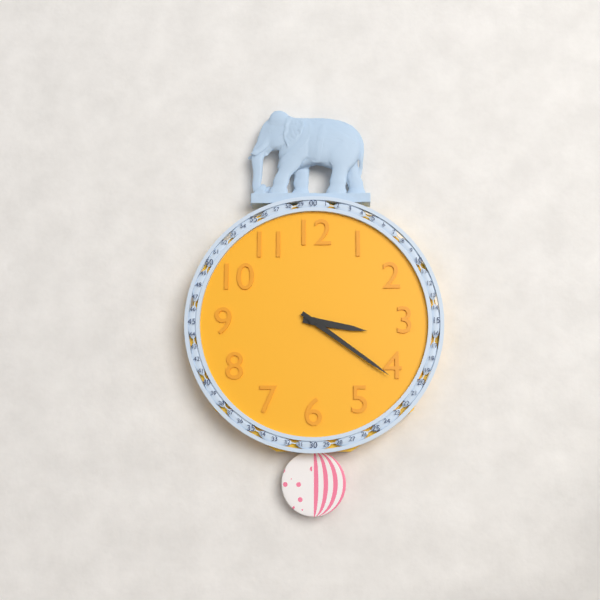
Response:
h=3 m=21
